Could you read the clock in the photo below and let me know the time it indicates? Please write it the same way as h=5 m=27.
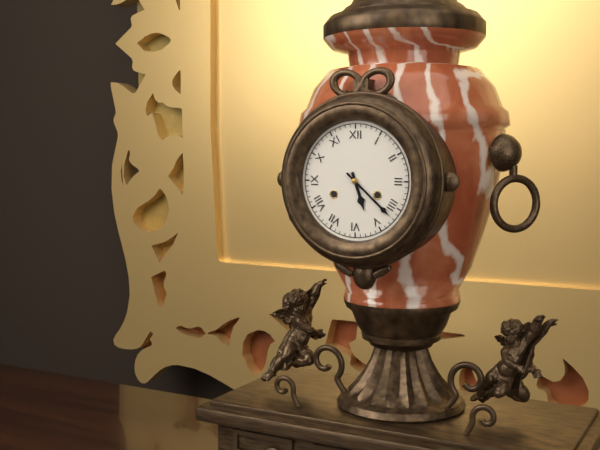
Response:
h=5 m=22
